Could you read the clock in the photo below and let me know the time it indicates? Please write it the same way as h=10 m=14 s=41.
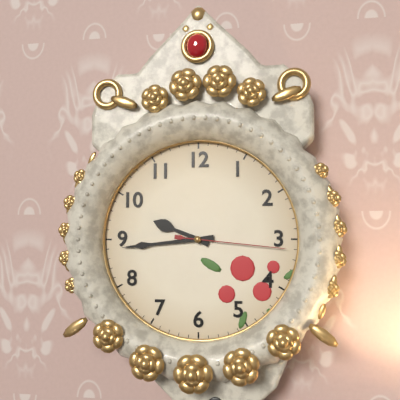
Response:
h=9 m=44 s=16
